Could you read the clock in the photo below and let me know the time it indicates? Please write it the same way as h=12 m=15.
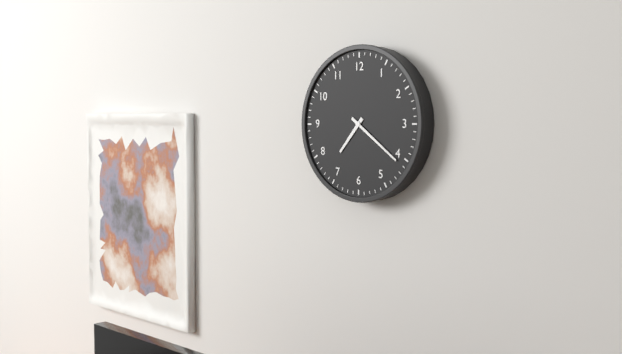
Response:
h=7 m=21
